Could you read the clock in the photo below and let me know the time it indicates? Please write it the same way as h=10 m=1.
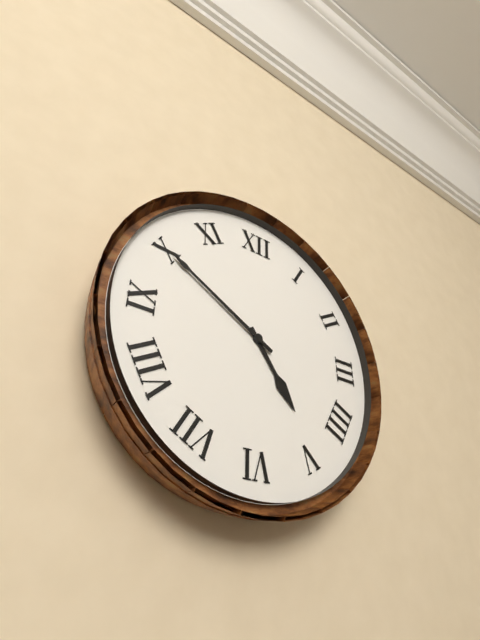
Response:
h=4 m=50
